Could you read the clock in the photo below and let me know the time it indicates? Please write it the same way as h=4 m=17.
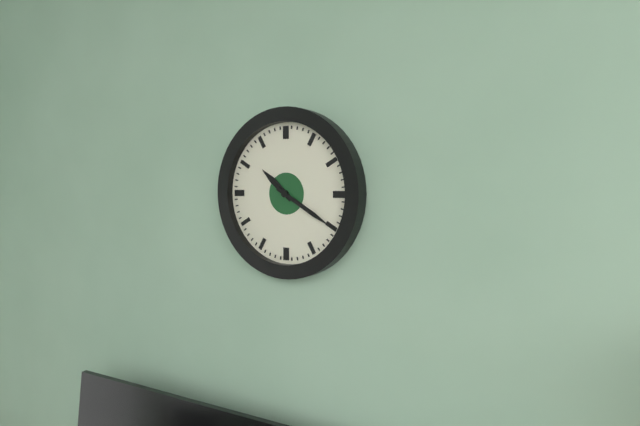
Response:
h=10 m=20
